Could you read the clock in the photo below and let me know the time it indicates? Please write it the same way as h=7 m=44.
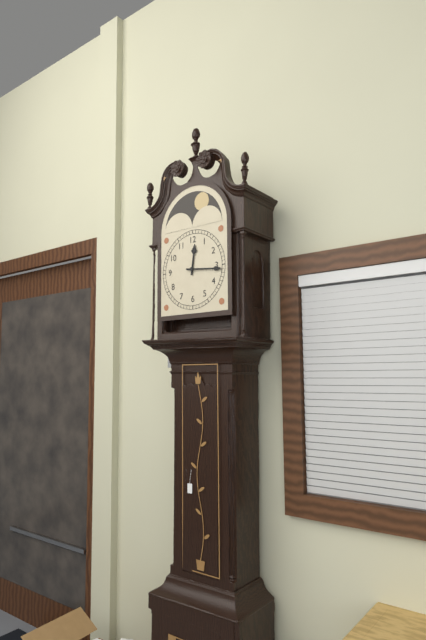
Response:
h=12 m=16
